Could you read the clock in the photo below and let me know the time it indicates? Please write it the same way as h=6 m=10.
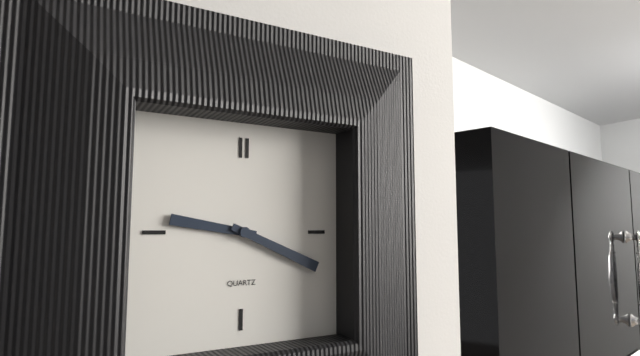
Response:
h=9 m=19
